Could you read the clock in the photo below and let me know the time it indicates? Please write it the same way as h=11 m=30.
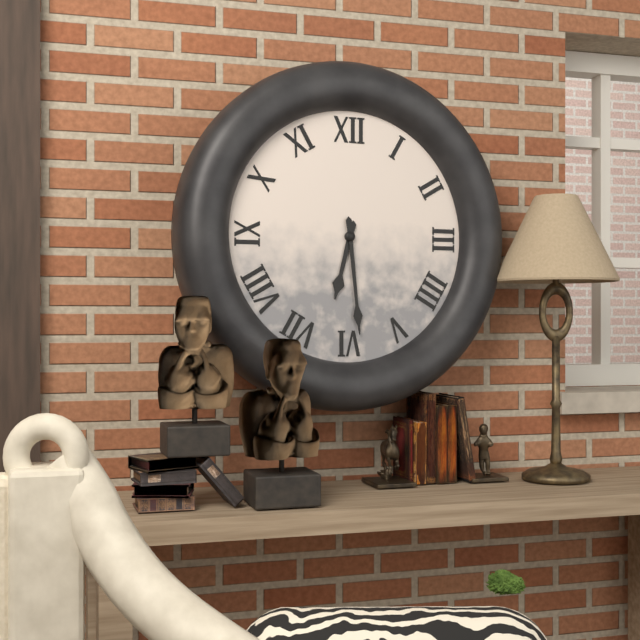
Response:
h=6 m=29
